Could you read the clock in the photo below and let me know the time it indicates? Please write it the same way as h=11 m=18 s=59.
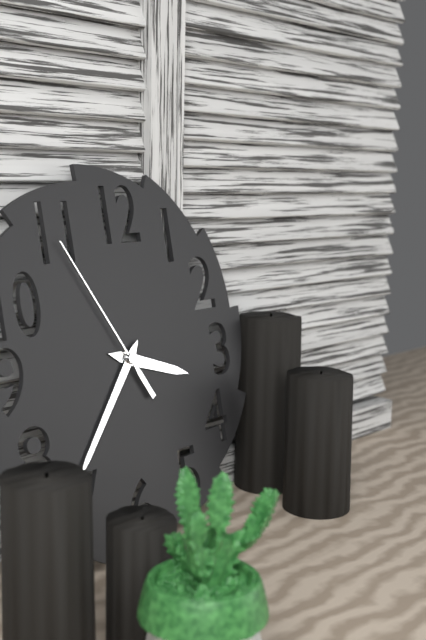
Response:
h=3 m=37 s=55
